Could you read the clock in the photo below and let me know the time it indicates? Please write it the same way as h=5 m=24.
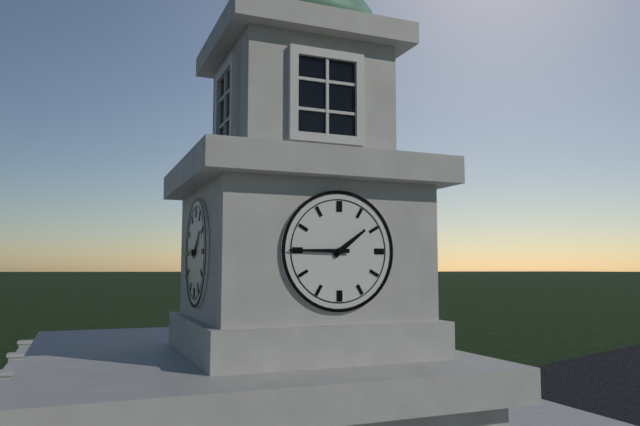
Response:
h=1 m=45
